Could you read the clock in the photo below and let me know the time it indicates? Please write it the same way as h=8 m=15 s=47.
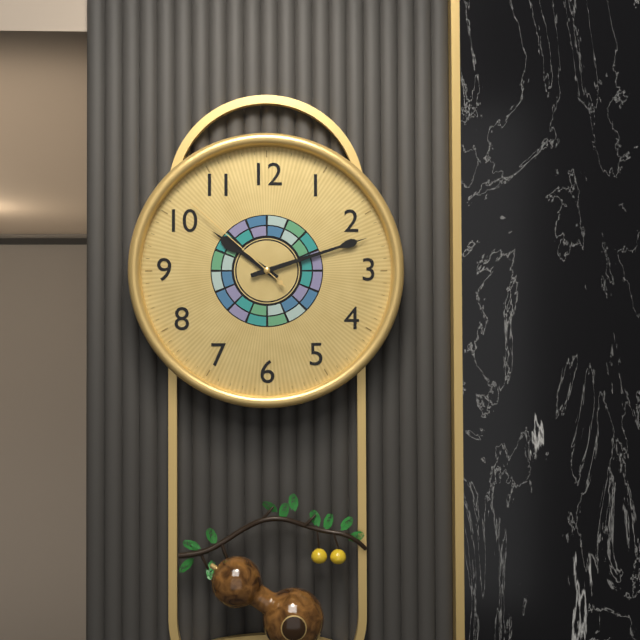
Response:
h=10 m=12 s=52
